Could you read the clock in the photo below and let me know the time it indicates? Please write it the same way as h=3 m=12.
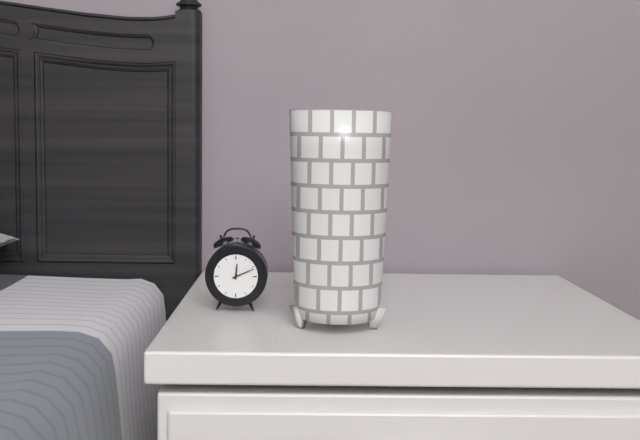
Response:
h=12 m=11
